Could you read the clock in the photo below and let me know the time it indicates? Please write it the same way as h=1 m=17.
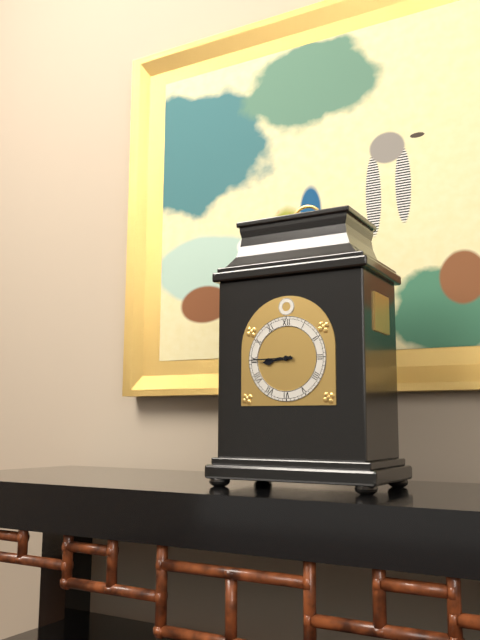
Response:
h=8 m=45
